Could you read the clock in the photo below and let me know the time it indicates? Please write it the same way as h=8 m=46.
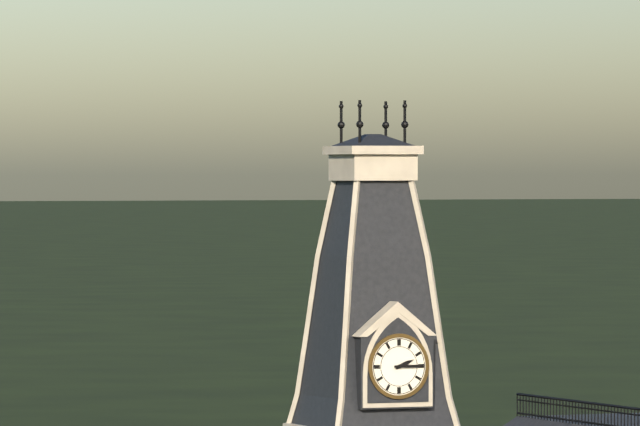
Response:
h=2 m=15
